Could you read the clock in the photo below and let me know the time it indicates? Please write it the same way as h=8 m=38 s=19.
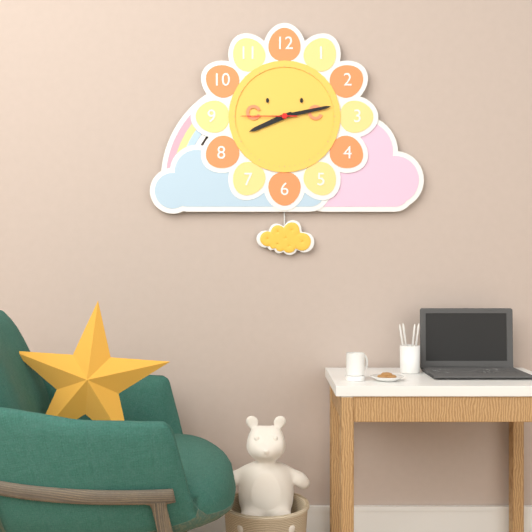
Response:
h=8 m=13 s=45
